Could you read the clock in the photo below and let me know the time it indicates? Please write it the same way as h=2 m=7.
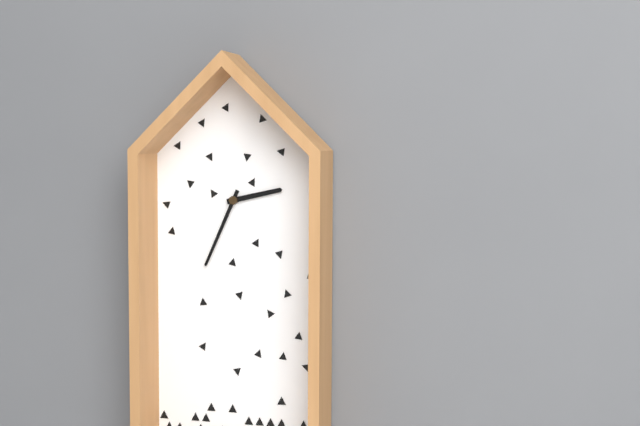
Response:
h=2 m=34
